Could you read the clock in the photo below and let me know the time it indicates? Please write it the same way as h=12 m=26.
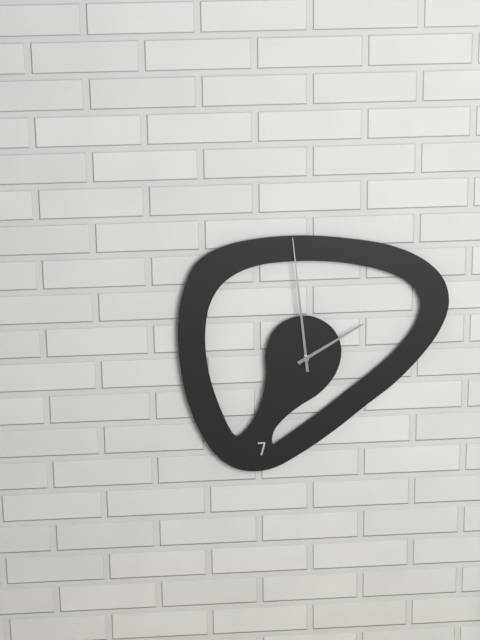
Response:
h=1 m=59
